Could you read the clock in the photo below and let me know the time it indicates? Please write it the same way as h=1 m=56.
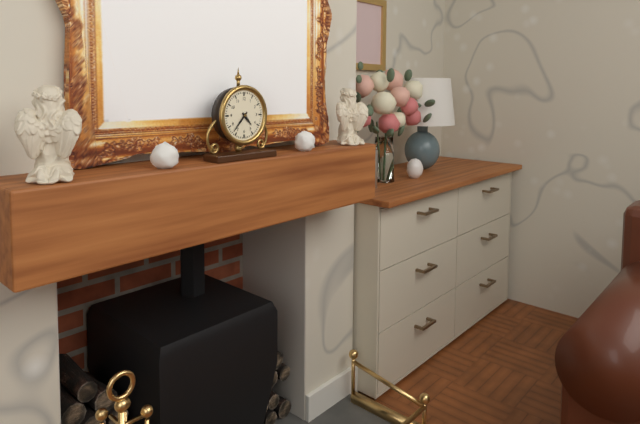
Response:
h=4 m=37
